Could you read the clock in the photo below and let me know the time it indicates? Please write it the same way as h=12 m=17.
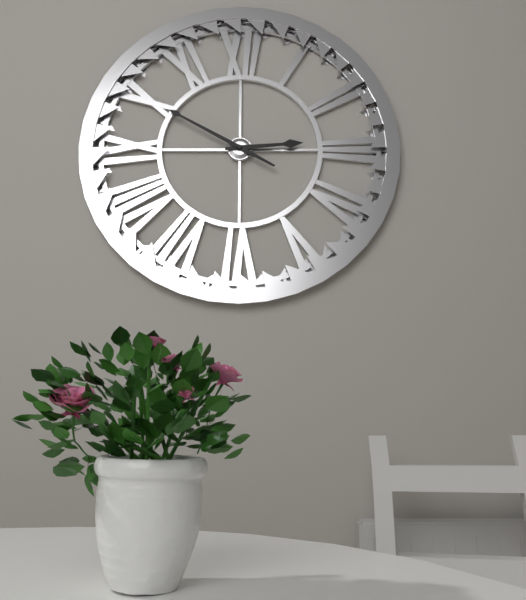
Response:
h=2 m=50
